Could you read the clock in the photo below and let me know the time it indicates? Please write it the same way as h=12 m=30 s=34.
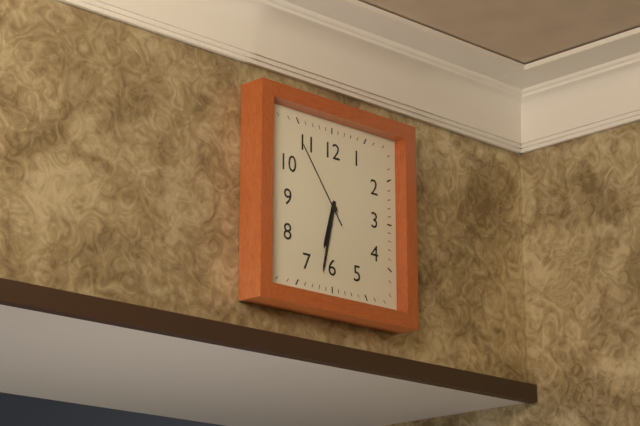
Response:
h=6 m=32 s=54
